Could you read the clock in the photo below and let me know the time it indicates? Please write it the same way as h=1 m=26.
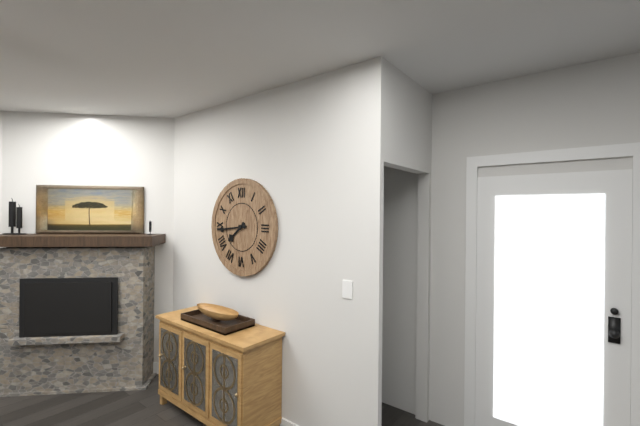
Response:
h=7 m=44
